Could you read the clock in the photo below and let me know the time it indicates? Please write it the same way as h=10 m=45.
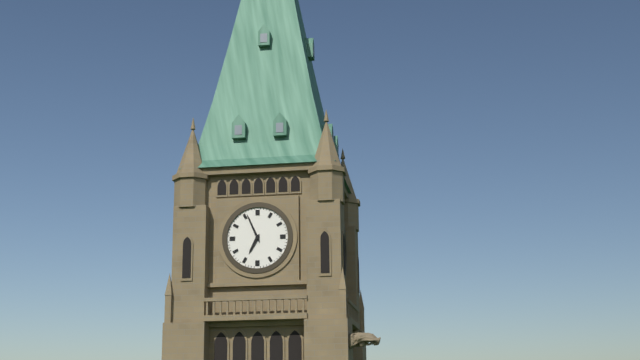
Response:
h=6 m=56
